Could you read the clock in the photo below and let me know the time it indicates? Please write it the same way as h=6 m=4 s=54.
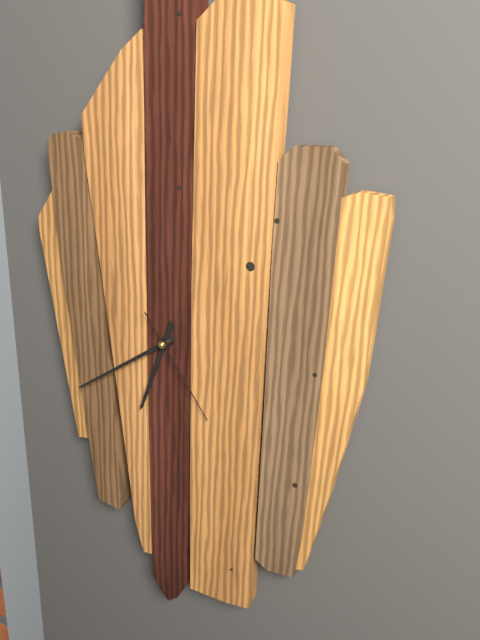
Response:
h=6 m=39 s=24
